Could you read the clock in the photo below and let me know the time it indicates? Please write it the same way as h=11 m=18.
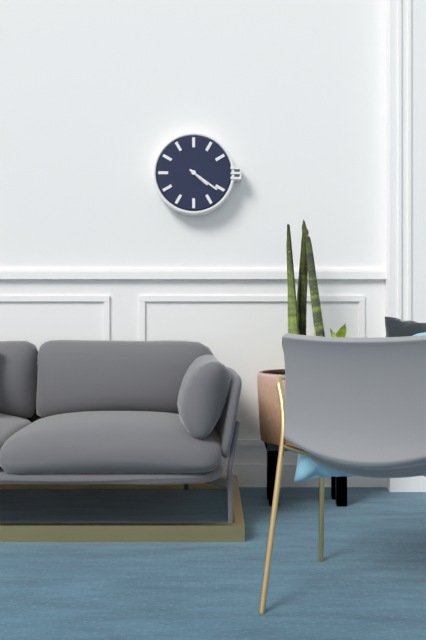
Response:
h=4 m=21
